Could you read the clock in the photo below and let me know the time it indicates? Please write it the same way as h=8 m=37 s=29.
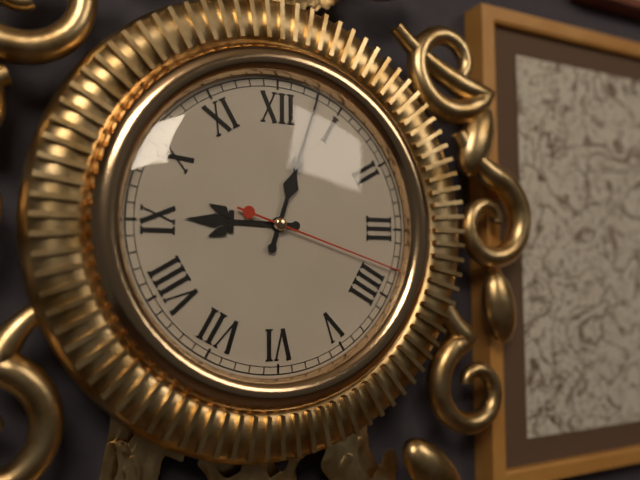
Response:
h=9 m=3 s=18
